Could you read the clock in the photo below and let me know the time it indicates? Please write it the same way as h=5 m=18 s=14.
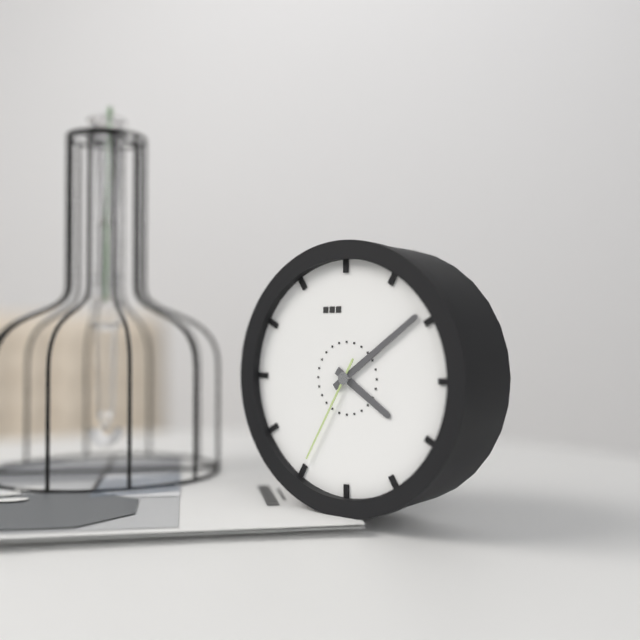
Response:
h=4 m=9 s=35
